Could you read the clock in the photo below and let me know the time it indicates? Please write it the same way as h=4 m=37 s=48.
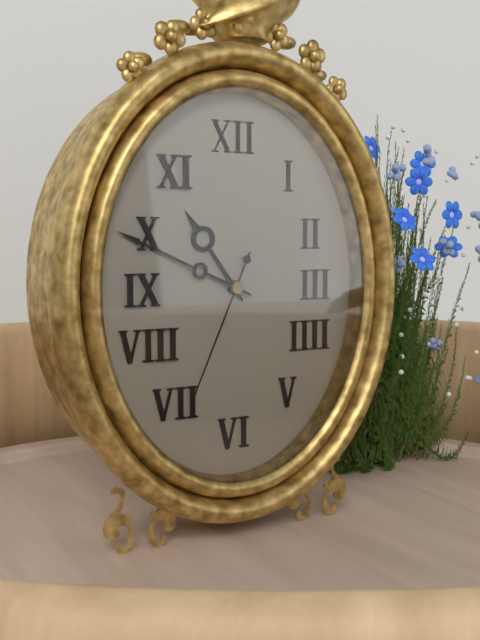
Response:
h=10 m=49 s=34
